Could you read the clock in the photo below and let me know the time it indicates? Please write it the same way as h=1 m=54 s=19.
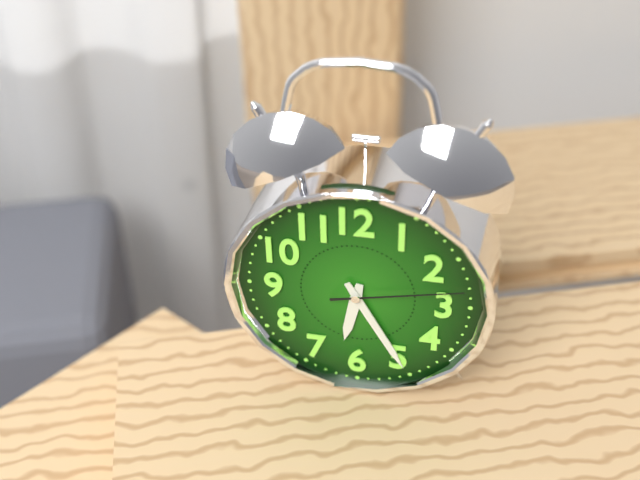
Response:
h=6 m=25 s=13
